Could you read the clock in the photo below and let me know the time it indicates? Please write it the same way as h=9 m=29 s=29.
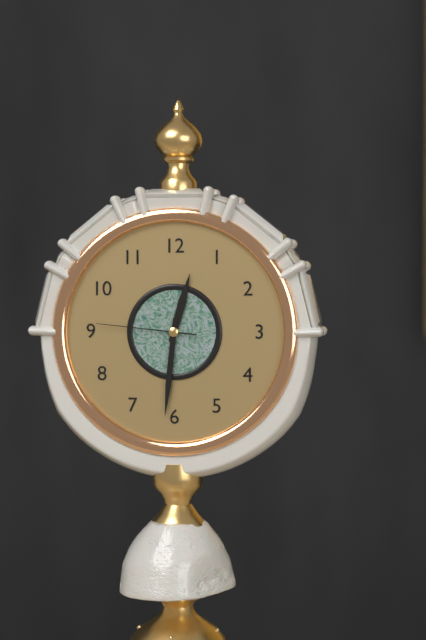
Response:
h=12 m=31 s=46
